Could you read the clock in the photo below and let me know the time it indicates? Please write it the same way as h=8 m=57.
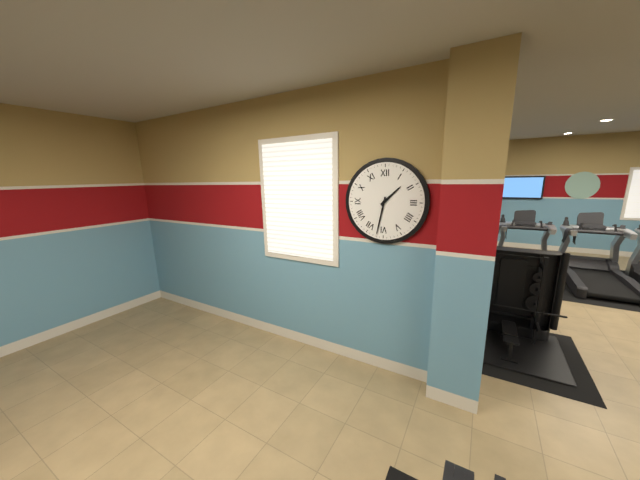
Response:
h=1 m=32
